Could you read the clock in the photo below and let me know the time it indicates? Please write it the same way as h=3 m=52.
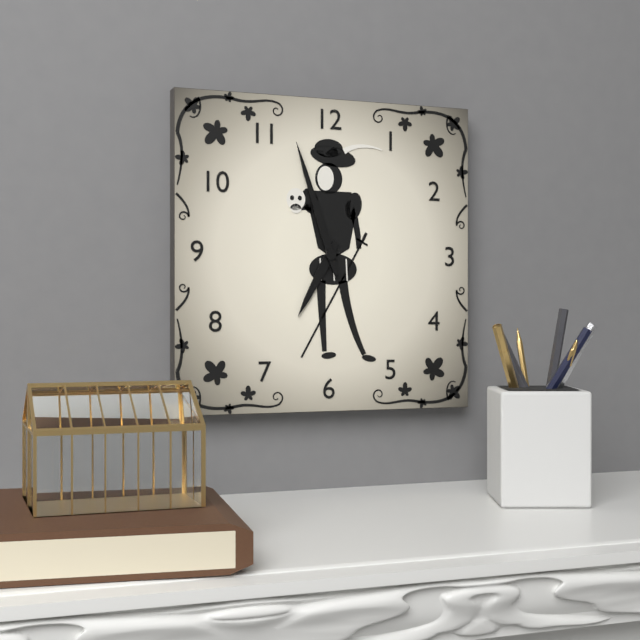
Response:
h=6 m=57
